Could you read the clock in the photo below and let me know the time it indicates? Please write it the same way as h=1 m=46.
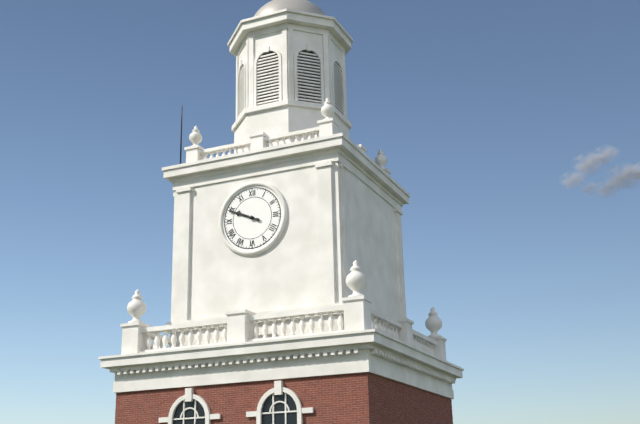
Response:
h=9 m=49
